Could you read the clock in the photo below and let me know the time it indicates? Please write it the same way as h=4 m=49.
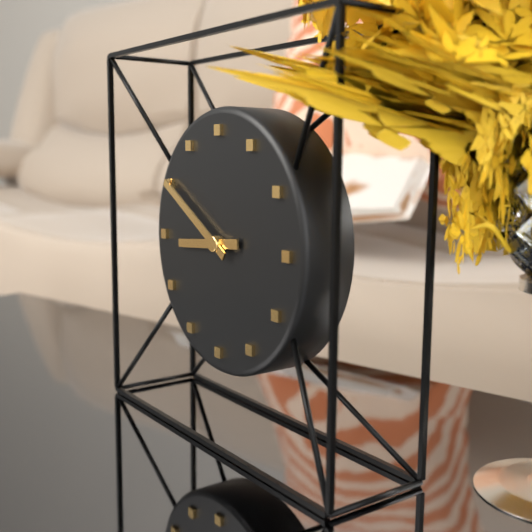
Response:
h=8 m=50
